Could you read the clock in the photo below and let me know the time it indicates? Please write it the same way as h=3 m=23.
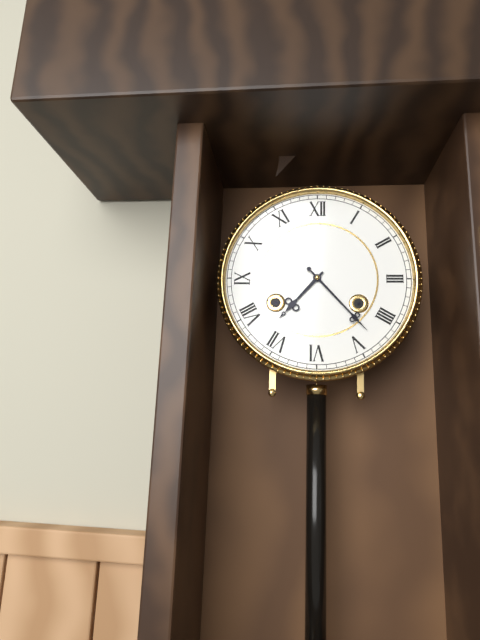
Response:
h=7 m=23
